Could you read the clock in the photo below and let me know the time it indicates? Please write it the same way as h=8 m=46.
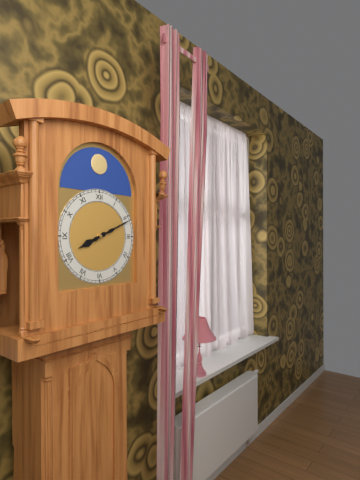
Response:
h=8 m=11
